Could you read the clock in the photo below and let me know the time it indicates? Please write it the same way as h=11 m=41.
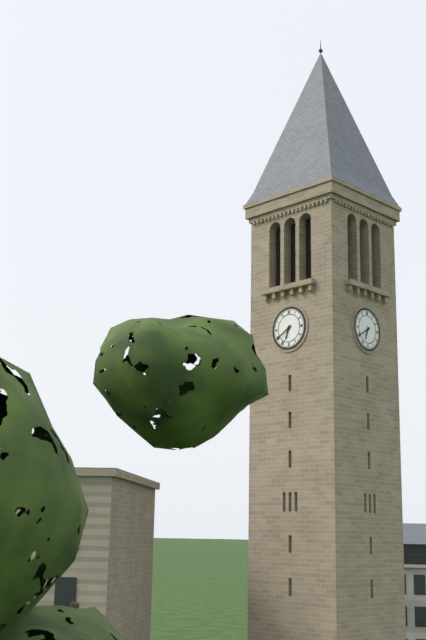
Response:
h=6 m=40
